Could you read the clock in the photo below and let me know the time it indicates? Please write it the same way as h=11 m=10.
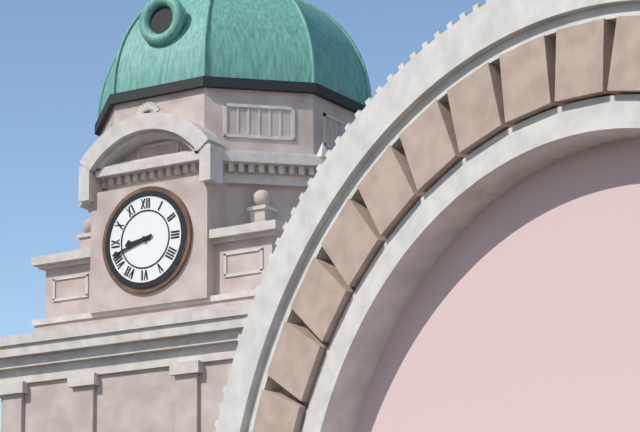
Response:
h=8 m=42
